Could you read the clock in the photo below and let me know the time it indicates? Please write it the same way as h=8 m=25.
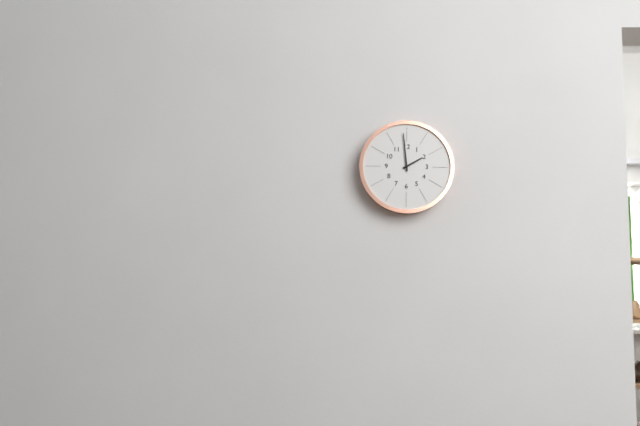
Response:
h=1 m=59
